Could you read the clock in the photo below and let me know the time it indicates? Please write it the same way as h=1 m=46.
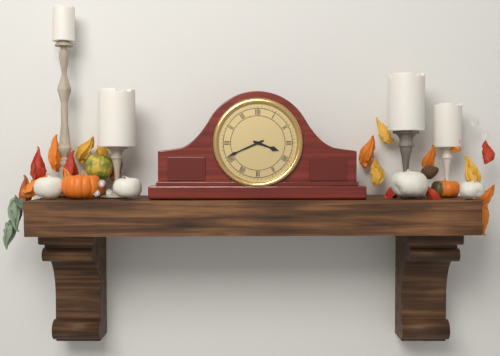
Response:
h=3 m=41
